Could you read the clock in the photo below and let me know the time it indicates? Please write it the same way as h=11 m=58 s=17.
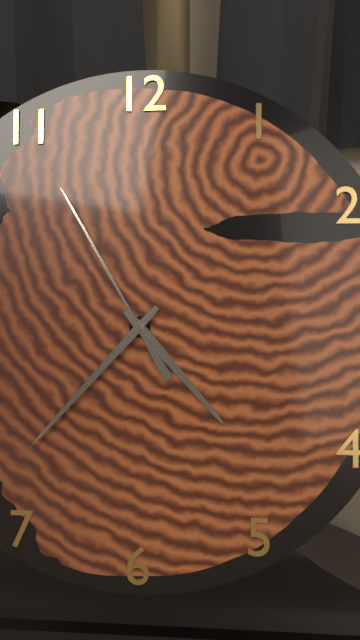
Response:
h=4 m=37 s=55
